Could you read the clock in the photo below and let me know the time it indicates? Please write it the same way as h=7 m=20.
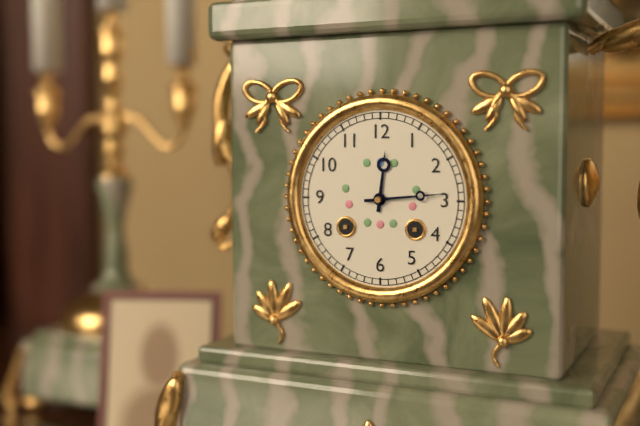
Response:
h=12 m=14
